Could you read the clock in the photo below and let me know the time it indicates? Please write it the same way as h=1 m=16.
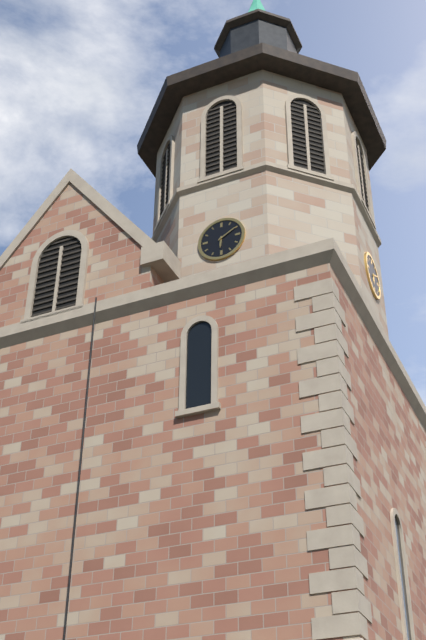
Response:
h=6 m=10
